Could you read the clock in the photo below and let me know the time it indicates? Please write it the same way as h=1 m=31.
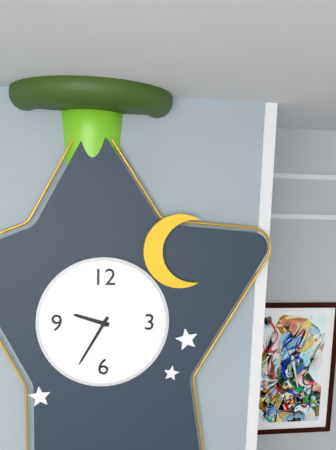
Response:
h=9 m=35
